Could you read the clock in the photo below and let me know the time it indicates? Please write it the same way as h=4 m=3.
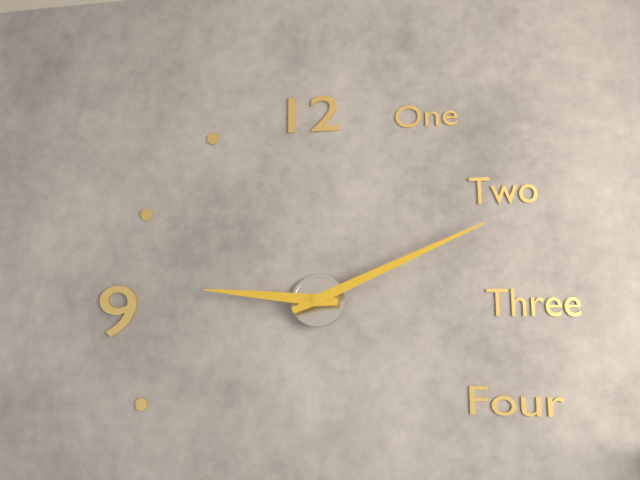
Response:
h=9 m=11
